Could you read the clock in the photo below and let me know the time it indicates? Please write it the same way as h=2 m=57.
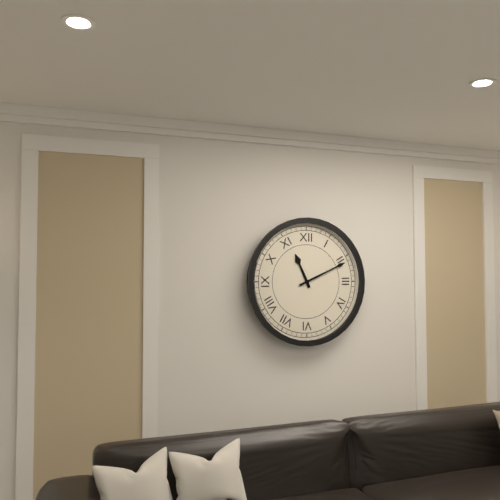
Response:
h=11 m=11
